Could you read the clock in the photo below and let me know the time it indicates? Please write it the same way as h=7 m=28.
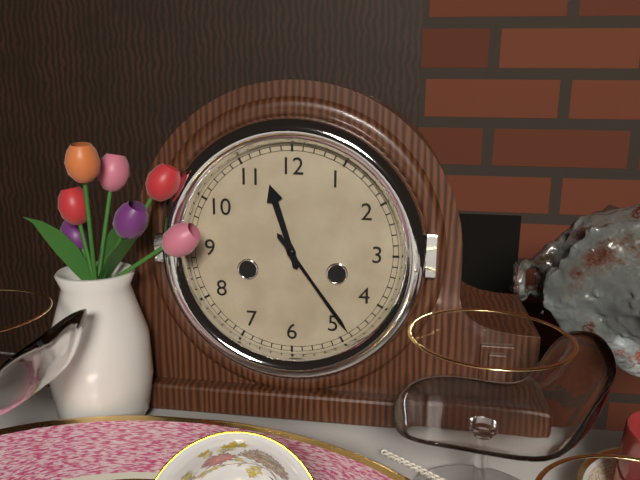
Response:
h=11 m=24
